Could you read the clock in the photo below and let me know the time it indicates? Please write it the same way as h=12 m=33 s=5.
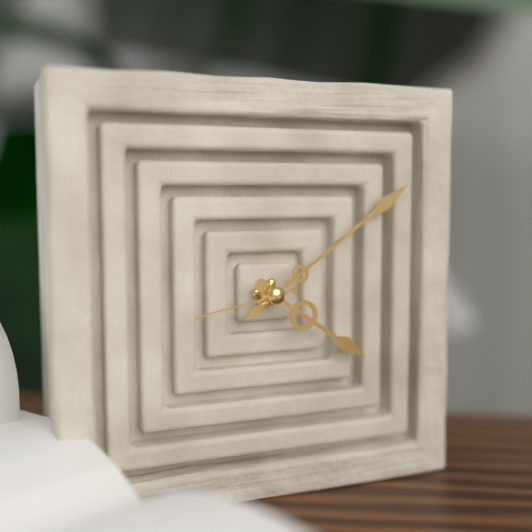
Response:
h=4 m=9 s=43
